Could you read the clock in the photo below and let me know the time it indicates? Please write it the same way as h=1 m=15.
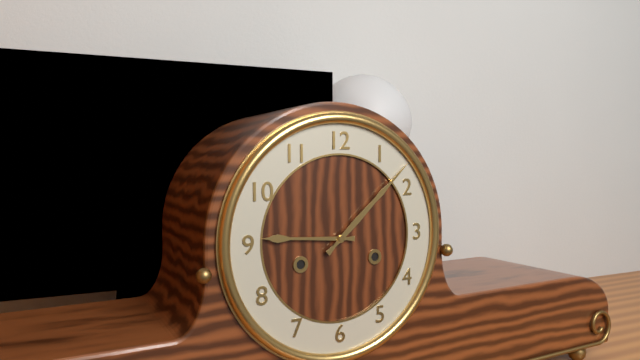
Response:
h=9 m=8
